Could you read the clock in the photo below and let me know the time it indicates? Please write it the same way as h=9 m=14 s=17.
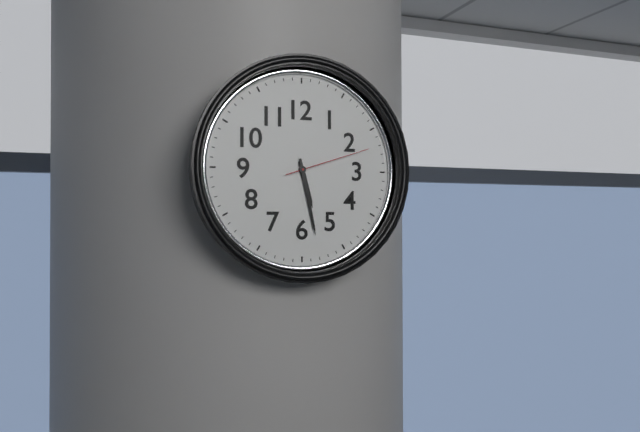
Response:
h=5 m=28 s=12
